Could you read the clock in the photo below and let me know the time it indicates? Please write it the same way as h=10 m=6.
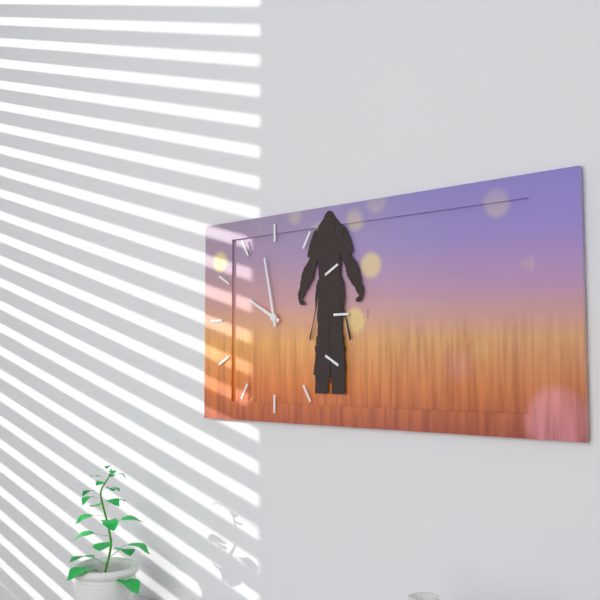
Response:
h=9 m=58
